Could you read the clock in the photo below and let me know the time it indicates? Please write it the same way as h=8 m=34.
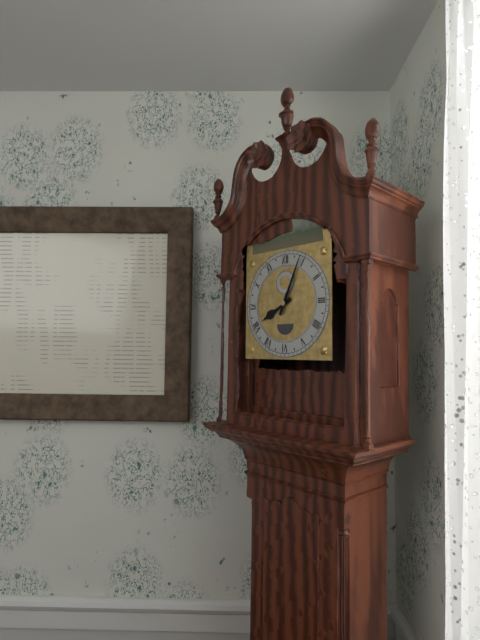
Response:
h=8 m=4
